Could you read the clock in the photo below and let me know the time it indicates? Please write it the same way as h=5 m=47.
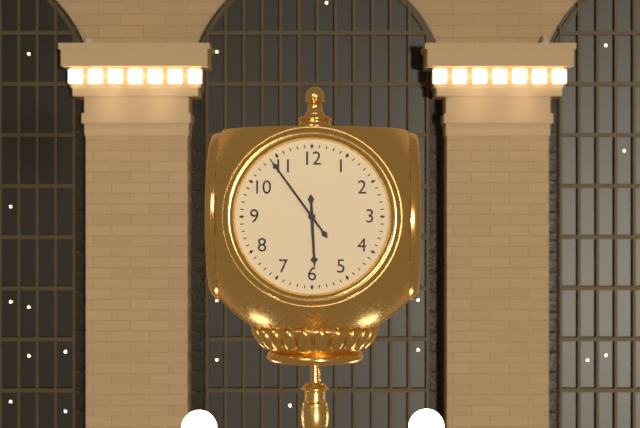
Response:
h=5 m=54
